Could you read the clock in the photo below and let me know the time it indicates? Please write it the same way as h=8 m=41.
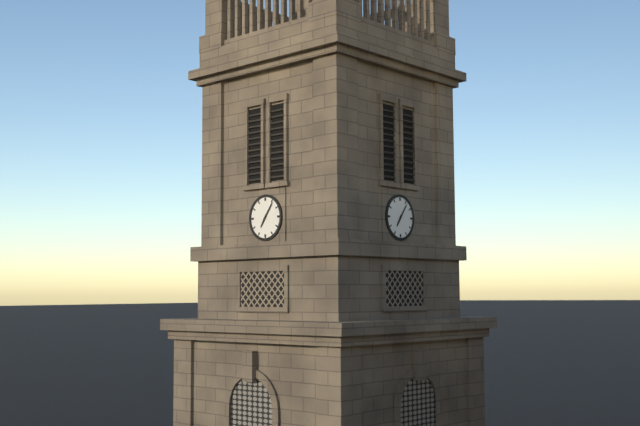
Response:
h=7 m=6
